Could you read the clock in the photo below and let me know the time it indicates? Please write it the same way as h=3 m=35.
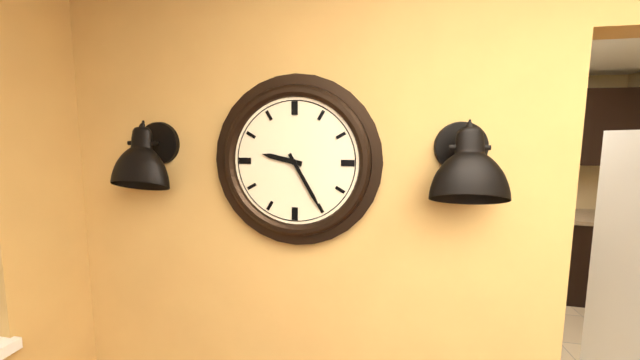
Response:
h=9 m=25
